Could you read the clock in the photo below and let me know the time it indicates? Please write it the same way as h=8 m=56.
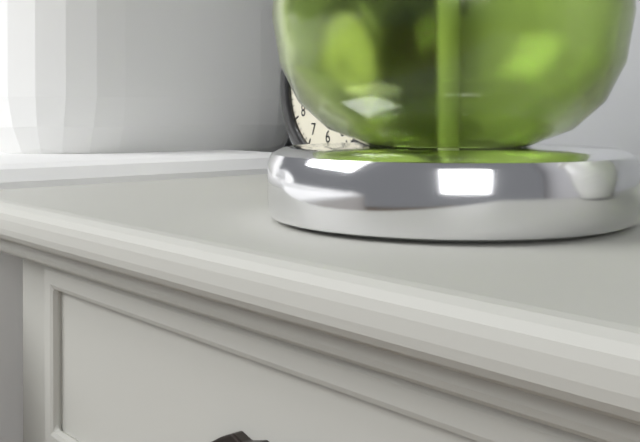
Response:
h=6 m=23
